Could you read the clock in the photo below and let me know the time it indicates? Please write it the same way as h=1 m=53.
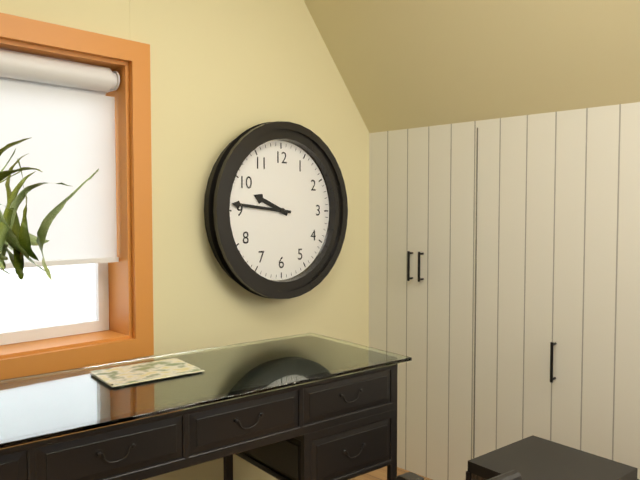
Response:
h=9 m=46
